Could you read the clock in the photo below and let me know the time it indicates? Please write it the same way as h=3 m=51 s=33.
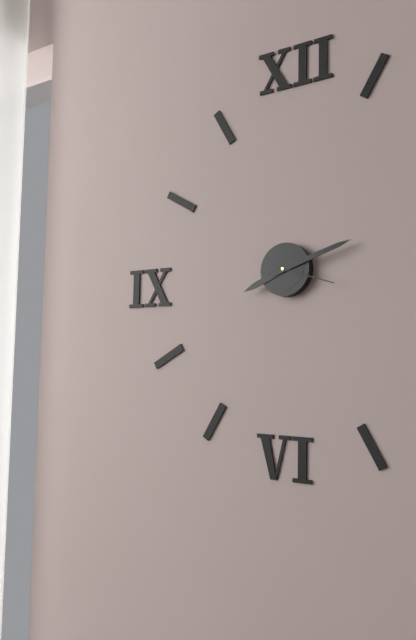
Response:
h=8 m=12 s=18
